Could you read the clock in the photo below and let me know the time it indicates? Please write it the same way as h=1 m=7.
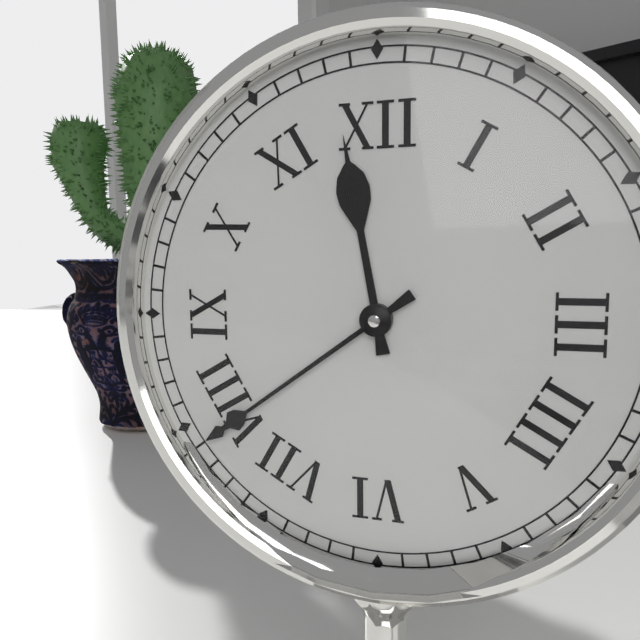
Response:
h=11 m=39
